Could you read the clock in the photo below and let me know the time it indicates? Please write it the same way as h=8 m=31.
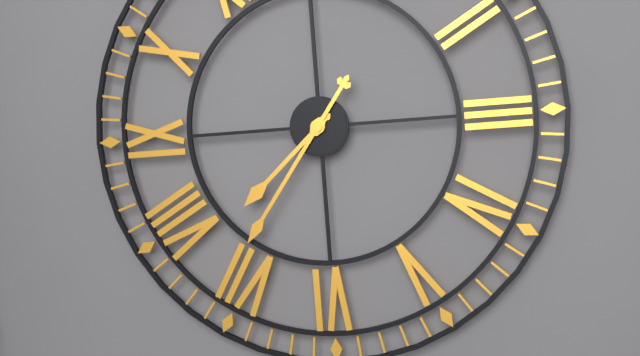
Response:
h=7 m=36
